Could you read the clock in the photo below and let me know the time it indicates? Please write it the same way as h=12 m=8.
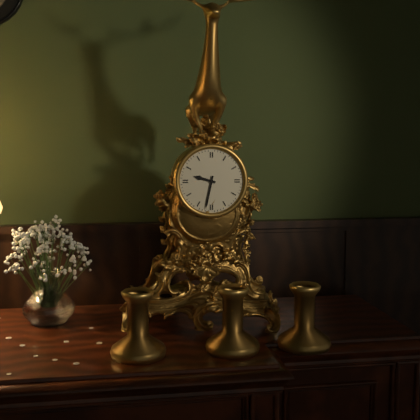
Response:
h=9 m=32
